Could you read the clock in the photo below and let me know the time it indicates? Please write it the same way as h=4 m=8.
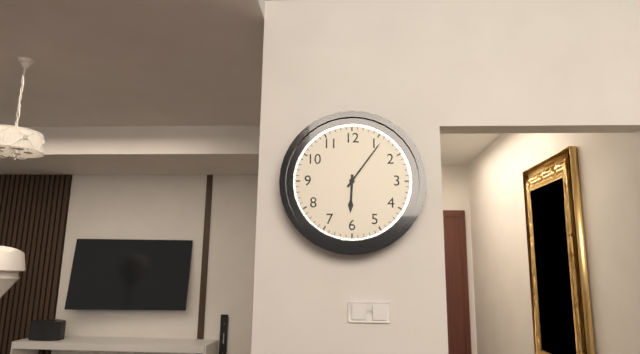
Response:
h=6 m=6
